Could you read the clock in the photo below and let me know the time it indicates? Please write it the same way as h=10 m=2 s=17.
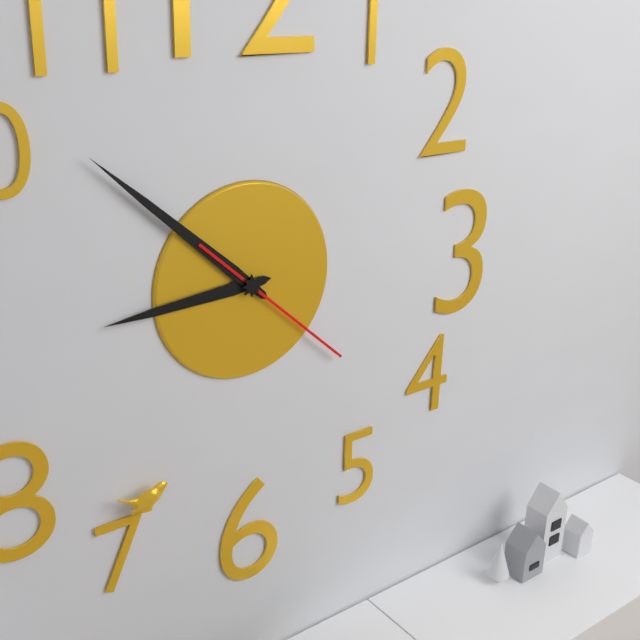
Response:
h=8 m=52 s=22
